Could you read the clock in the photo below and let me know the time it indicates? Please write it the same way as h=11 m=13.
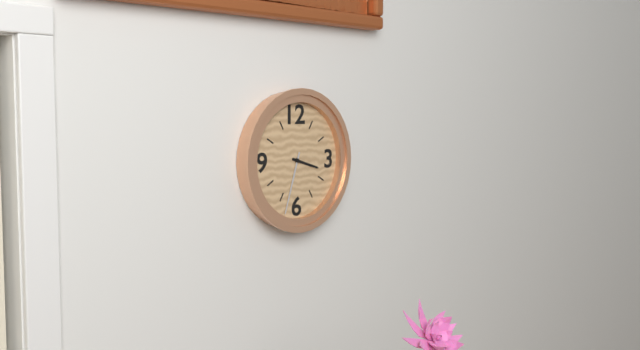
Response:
h=3 m=33
